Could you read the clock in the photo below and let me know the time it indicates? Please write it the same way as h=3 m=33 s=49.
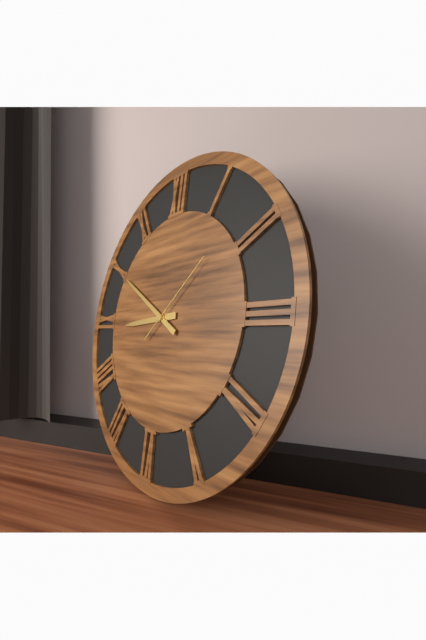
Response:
h=8 m=50 s=8
